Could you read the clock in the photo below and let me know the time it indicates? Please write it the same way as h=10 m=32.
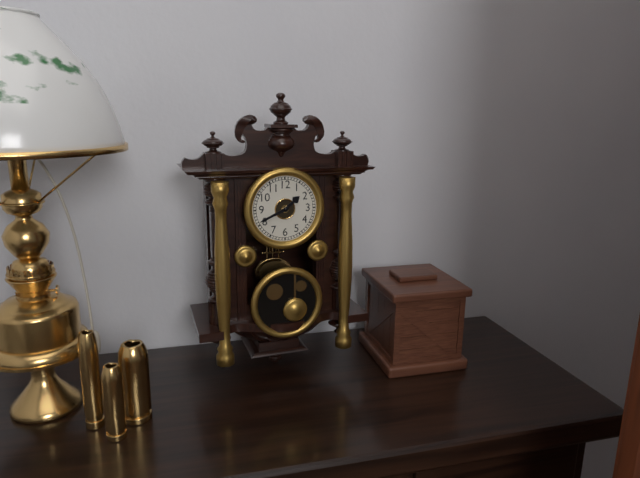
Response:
h=1 m=41
